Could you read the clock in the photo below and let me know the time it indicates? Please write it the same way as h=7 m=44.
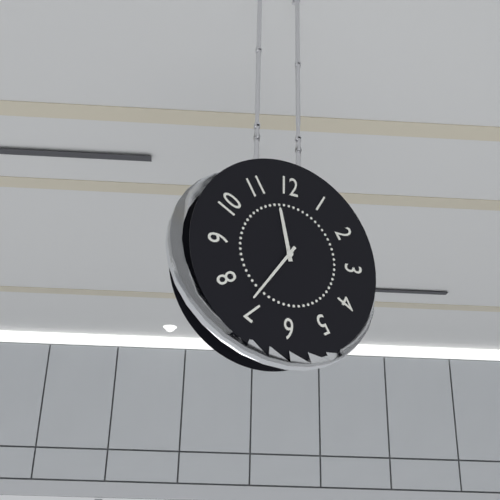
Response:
h=11 m=36
